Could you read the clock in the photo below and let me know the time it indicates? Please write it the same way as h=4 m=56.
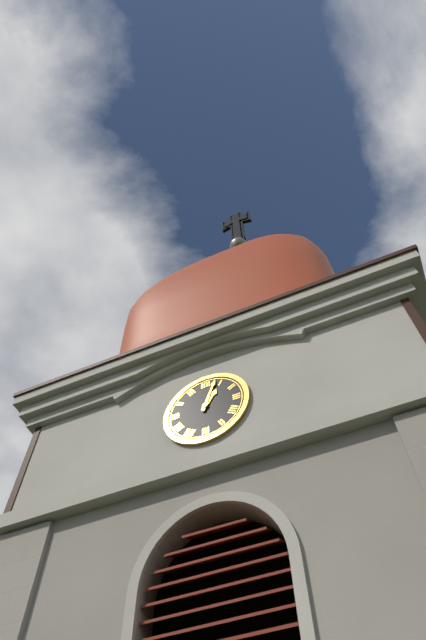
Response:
h=1 m=3
